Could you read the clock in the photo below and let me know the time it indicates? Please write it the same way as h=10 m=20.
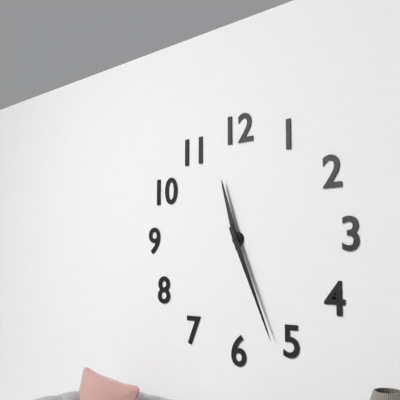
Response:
h=11 m=26
